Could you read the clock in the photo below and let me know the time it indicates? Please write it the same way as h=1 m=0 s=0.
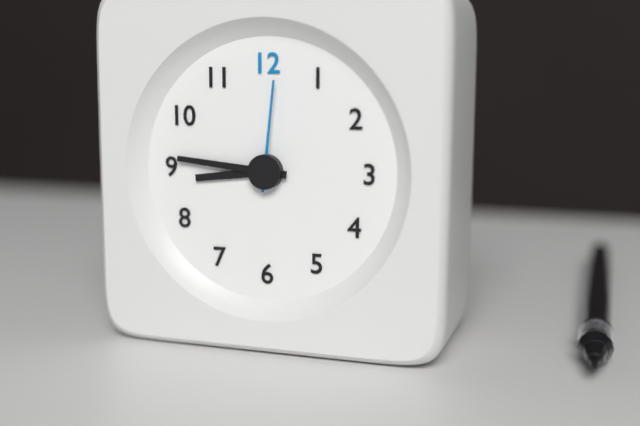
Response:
h=8 m=46 s=1
